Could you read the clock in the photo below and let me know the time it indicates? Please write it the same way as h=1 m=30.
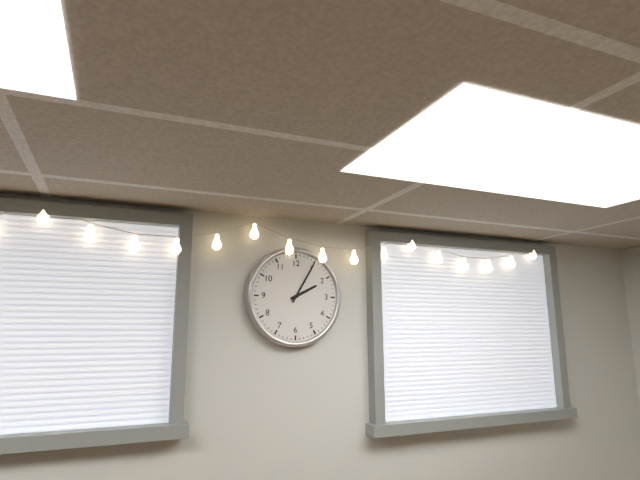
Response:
h=2 m=5
